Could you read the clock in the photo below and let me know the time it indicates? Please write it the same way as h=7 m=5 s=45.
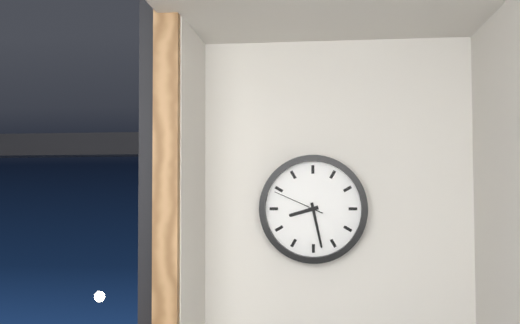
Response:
h=8 m=28 s=49
